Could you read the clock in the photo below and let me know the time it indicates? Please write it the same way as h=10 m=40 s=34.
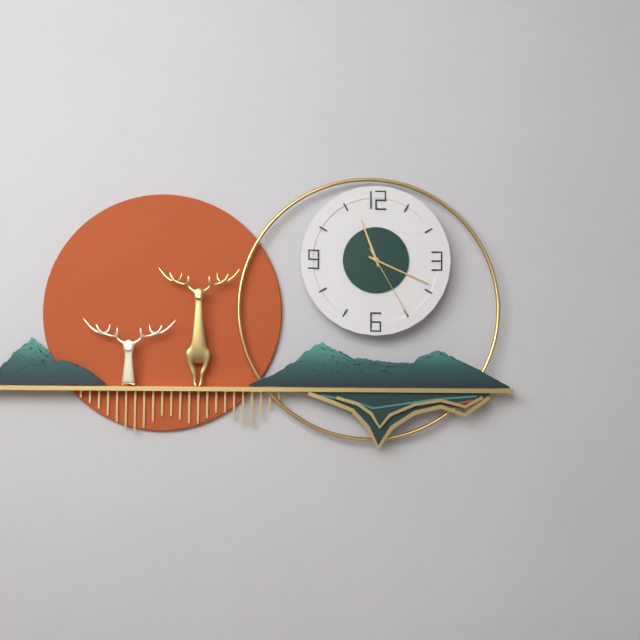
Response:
h=11 m=19 s=25
